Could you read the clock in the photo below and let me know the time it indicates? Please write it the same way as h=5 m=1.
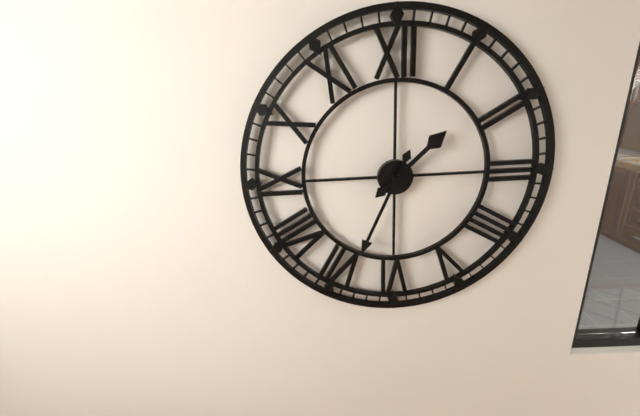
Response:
h=1 m=34
